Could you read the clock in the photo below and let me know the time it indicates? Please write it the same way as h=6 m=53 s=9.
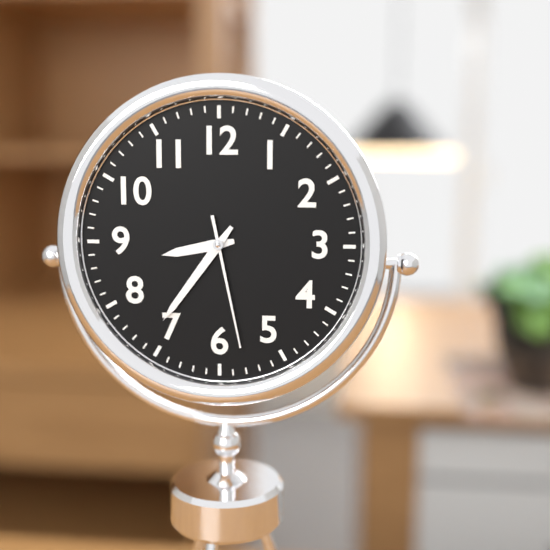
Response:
h=8 m=36 s=28
